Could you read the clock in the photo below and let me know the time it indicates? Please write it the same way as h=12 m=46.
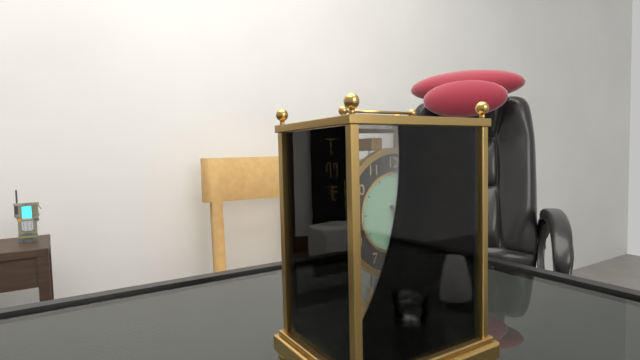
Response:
h=5 m=24
